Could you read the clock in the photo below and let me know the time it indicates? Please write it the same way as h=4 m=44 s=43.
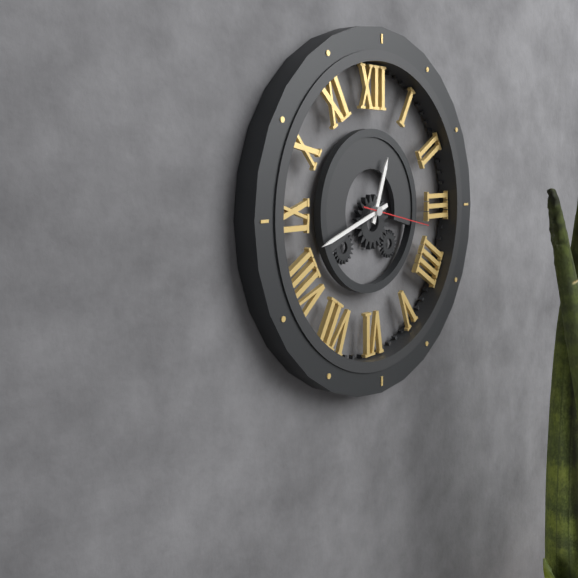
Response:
h=12 m=42 s=17
